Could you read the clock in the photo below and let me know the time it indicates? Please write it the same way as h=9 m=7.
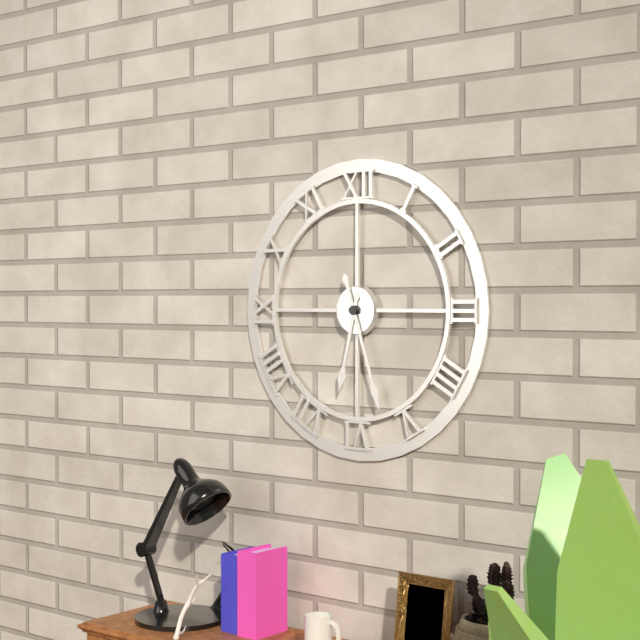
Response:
h=6 m=27
